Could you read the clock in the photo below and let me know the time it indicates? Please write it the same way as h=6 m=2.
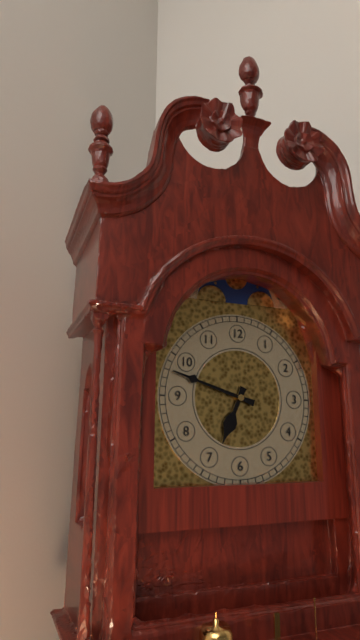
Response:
h=6 m=48
